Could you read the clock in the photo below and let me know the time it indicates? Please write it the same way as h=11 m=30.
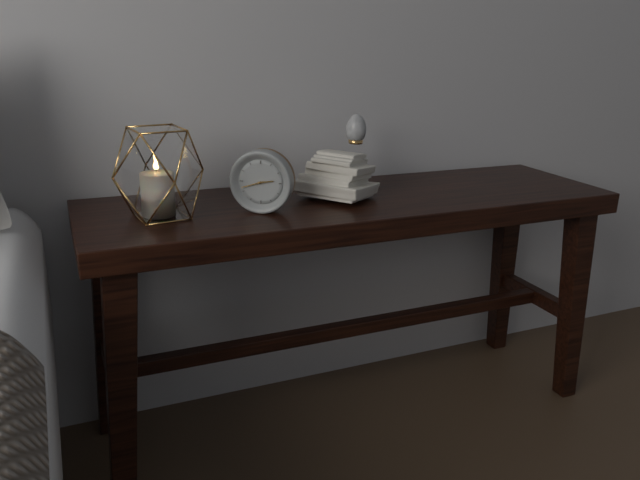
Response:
h=2 m=42
